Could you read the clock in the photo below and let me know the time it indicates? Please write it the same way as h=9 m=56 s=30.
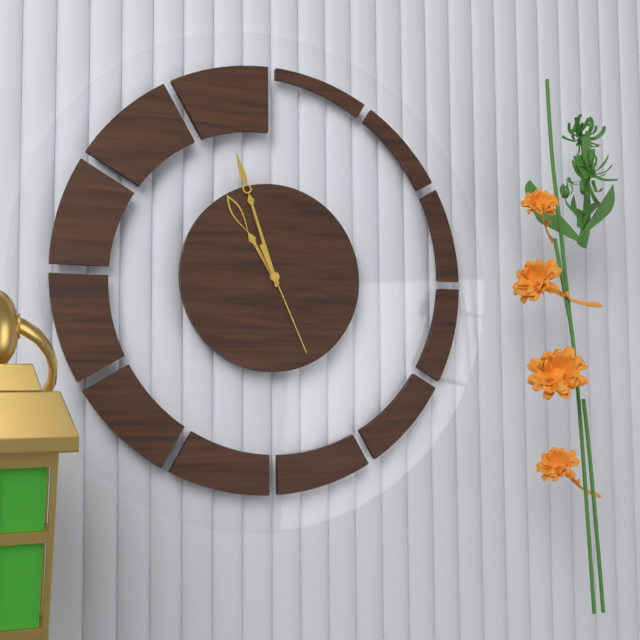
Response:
h=10 m=57 s=26
